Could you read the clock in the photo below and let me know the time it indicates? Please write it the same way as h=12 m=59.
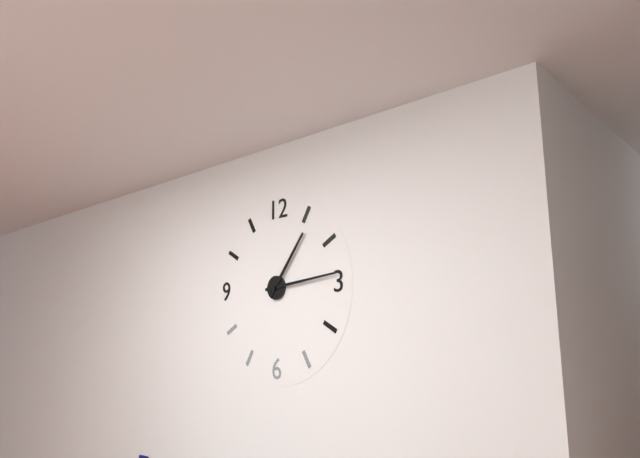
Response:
h=1 m=14
